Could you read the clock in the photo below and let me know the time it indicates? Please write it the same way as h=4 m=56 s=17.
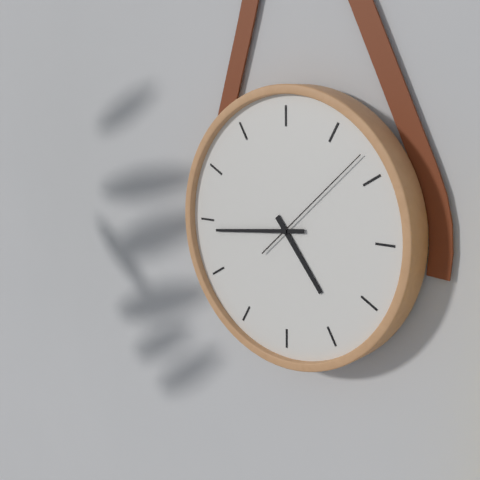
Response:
h=4 m=44 s=8
